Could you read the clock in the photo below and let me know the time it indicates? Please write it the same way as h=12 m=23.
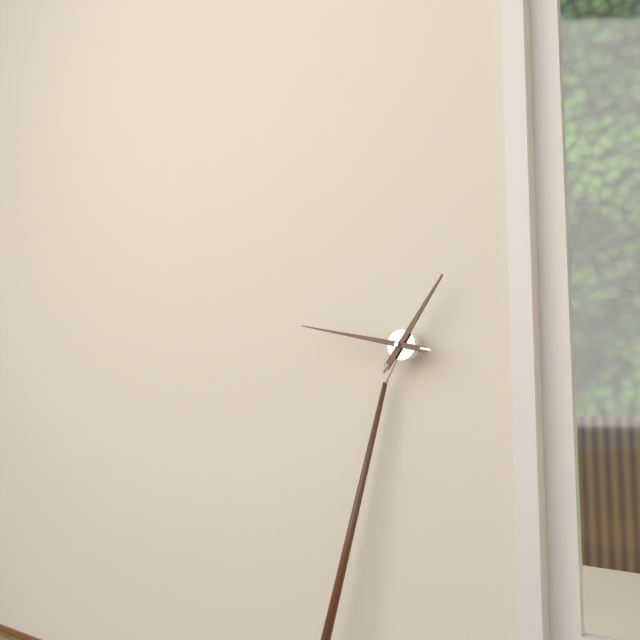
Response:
h=12 m=45
